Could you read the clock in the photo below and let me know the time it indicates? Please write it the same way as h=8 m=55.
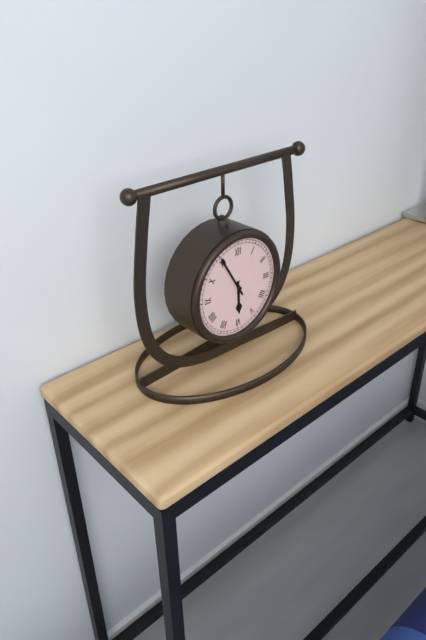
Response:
h=5 m=55
